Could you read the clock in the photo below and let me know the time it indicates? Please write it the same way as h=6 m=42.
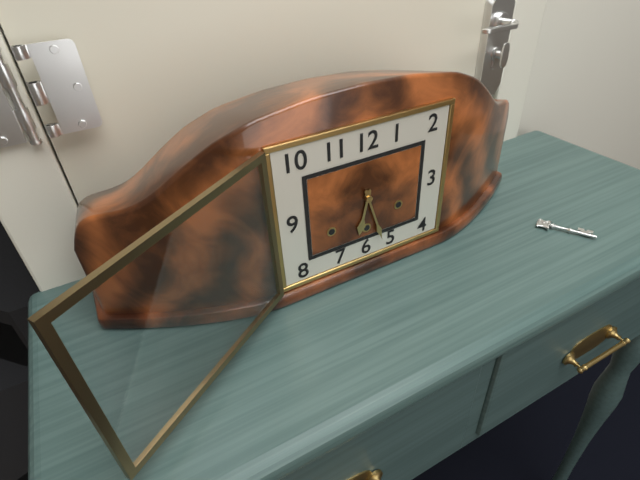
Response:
h=6 m=27
